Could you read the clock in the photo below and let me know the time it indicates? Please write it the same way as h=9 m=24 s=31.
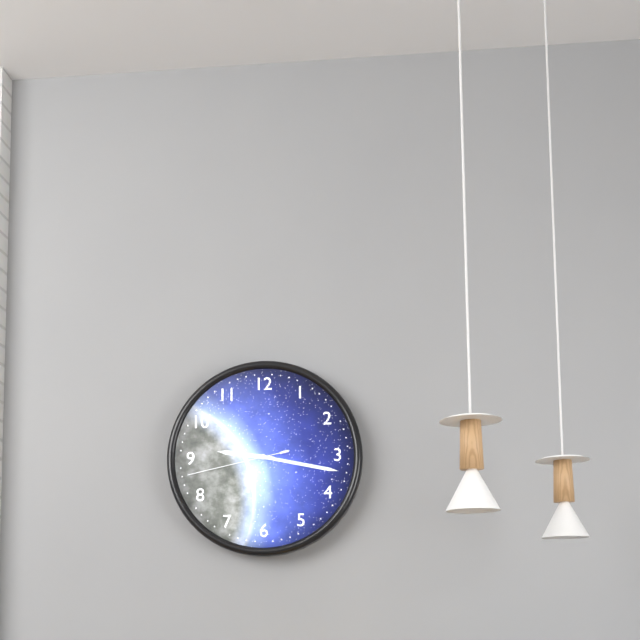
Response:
h=9 m=17 s=43
